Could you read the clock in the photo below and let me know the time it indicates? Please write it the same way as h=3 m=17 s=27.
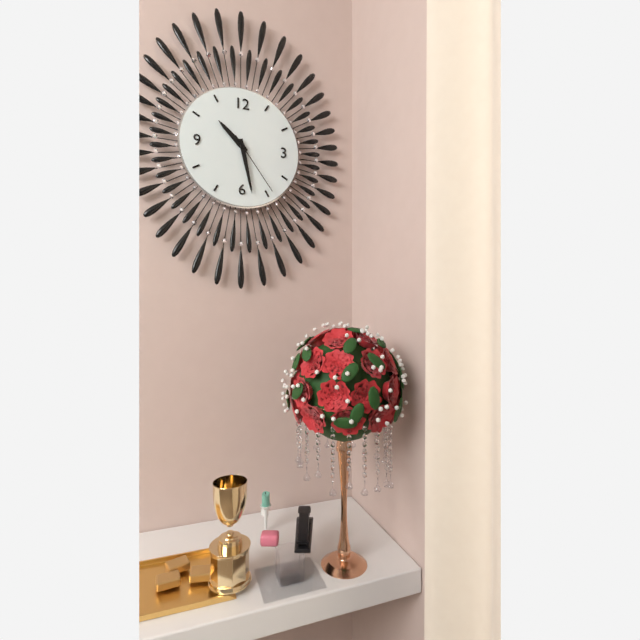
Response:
h=10 m=28 s=24
